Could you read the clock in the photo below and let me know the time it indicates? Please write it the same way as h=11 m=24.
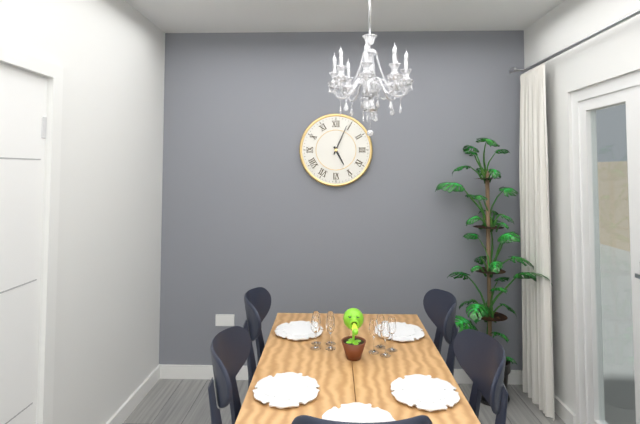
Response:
h=5 m=4
